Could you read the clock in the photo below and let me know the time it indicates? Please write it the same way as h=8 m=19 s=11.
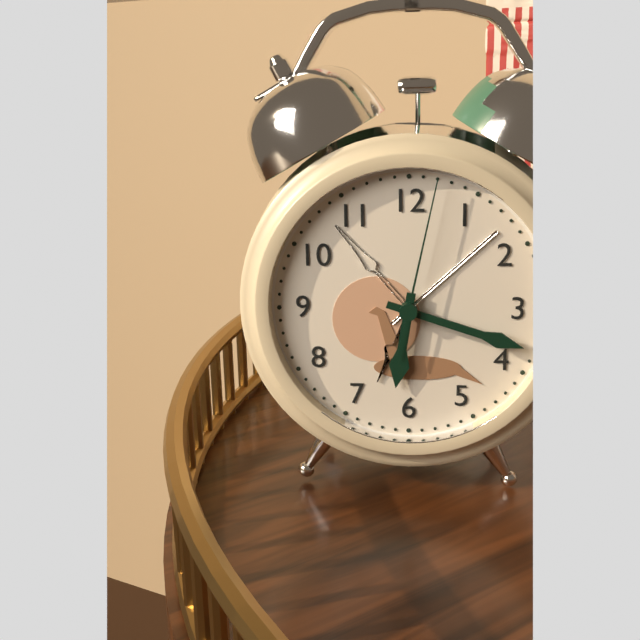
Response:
h=6 m=18 s=2
